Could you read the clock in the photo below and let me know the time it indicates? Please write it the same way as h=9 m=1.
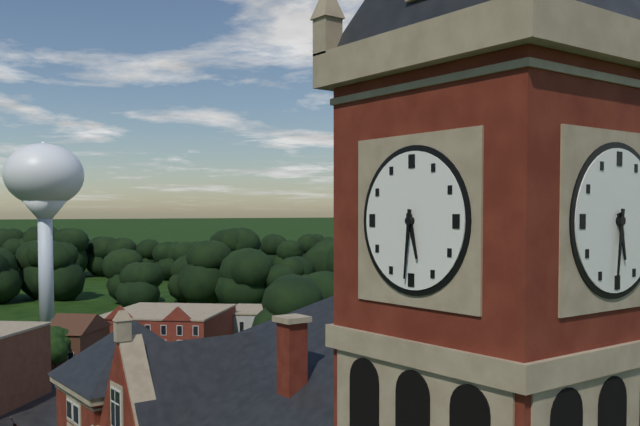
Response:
h=5 m=31
